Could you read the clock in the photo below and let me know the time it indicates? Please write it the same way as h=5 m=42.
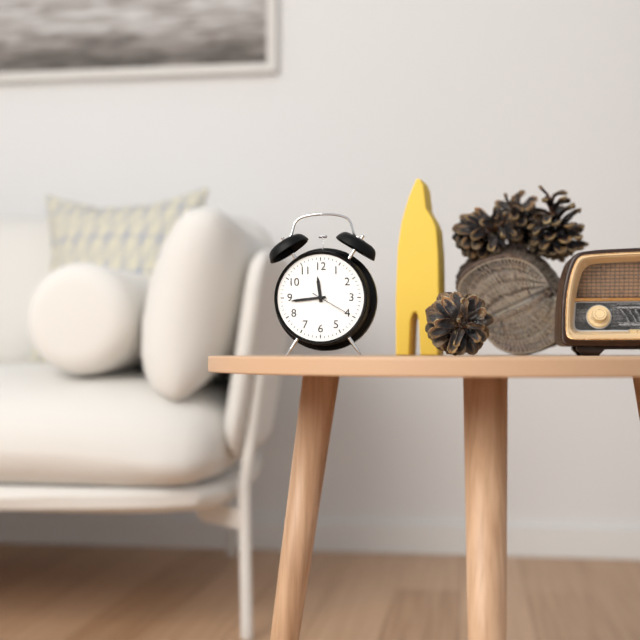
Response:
h=11 m=44
